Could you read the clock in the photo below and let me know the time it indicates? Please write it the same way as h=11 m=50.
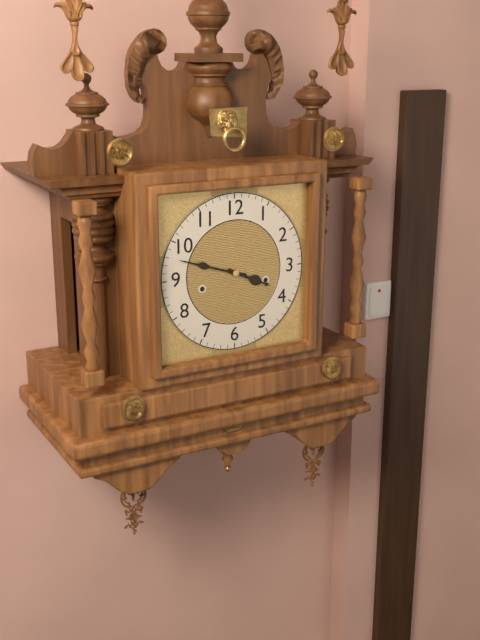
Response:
h=3 m=48
